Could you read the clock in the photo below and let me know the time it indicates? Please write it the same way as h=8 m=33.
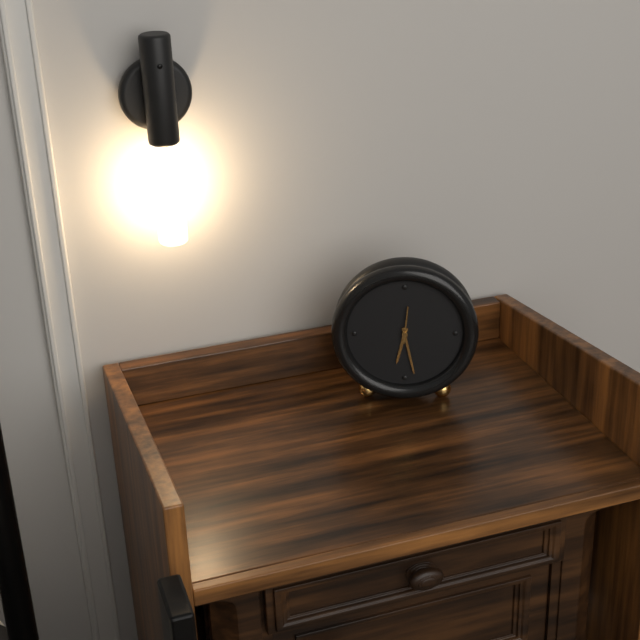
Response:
h=6 m=28
